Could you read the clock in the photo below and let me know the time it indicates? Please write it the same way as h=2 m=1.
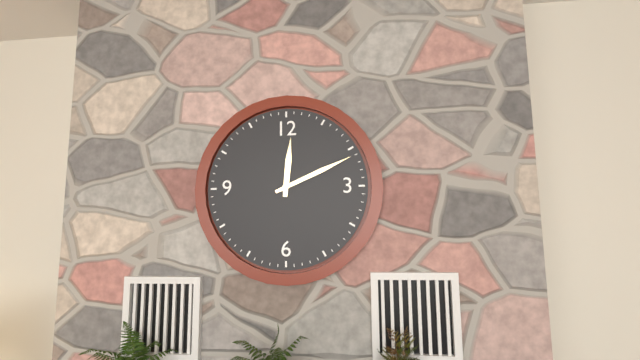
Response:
h=12 m=11
